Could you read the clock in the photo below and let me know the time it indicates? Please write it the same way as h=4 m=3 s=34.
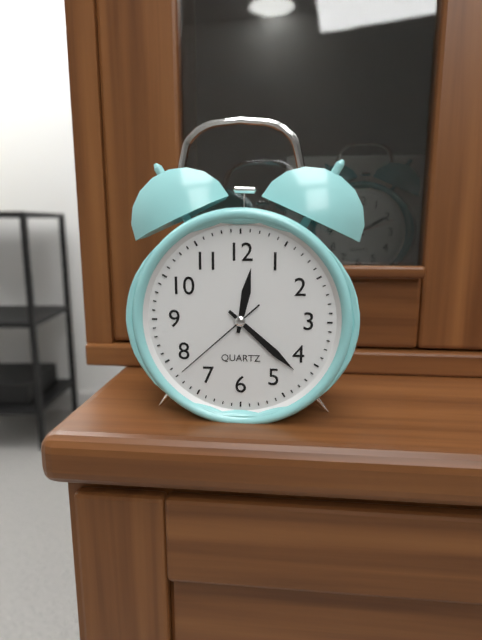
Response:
h=12 m=22 s=38
